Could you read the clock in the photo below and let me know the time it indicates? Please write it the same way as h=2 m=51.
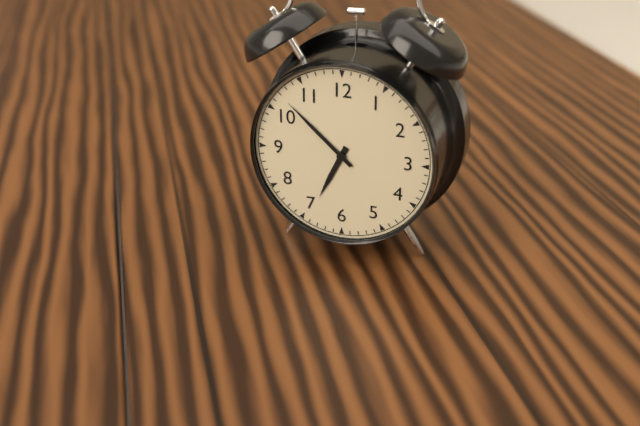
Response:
h=6 m=52
